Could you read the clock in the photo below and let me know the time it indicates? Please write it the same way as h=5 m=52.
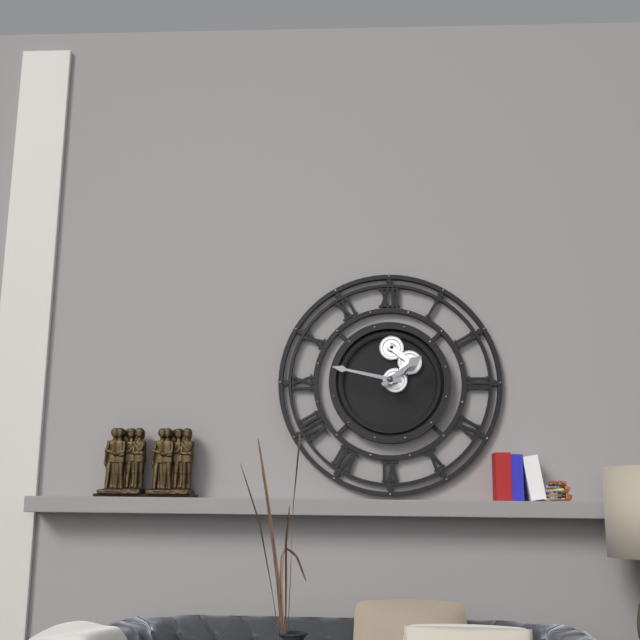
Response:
h=1 m=47
